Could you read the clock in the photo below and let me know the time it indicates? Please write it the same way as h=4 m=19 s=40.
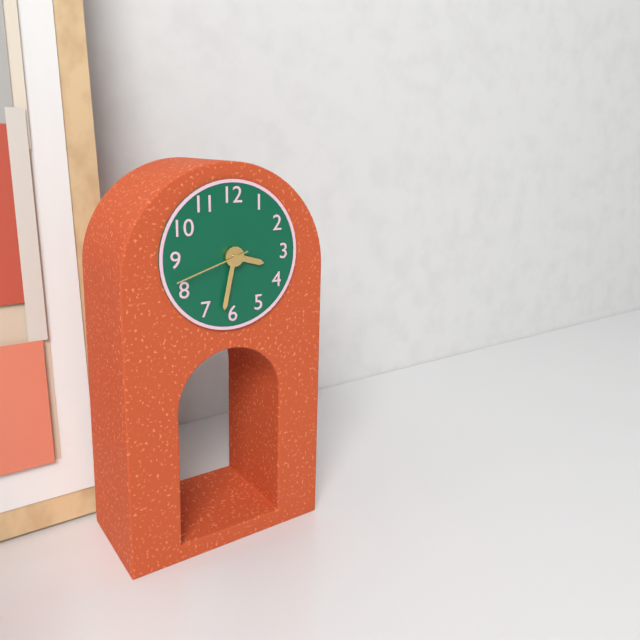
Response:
h=3 m=32 s=42
